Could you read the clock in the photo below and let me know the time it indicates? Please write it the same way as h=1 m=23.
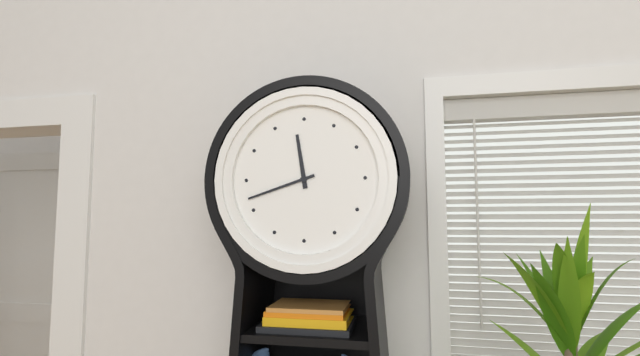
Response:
h=11 m=42
